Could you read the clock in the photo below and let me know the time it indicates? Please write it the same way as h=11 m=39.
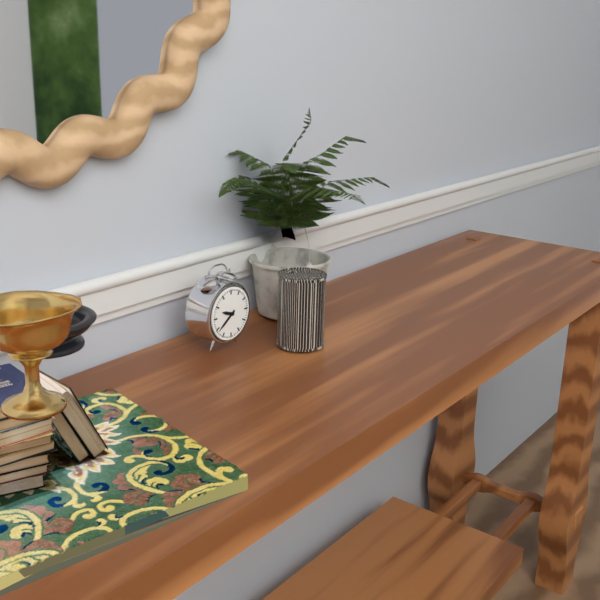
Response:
h=9 m=39
